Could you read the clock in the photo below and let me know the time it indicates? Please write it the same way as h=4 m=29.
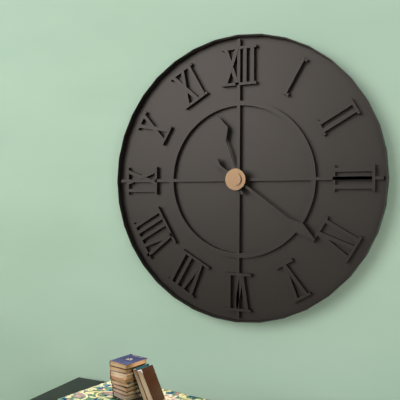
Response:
h=11 m=21
